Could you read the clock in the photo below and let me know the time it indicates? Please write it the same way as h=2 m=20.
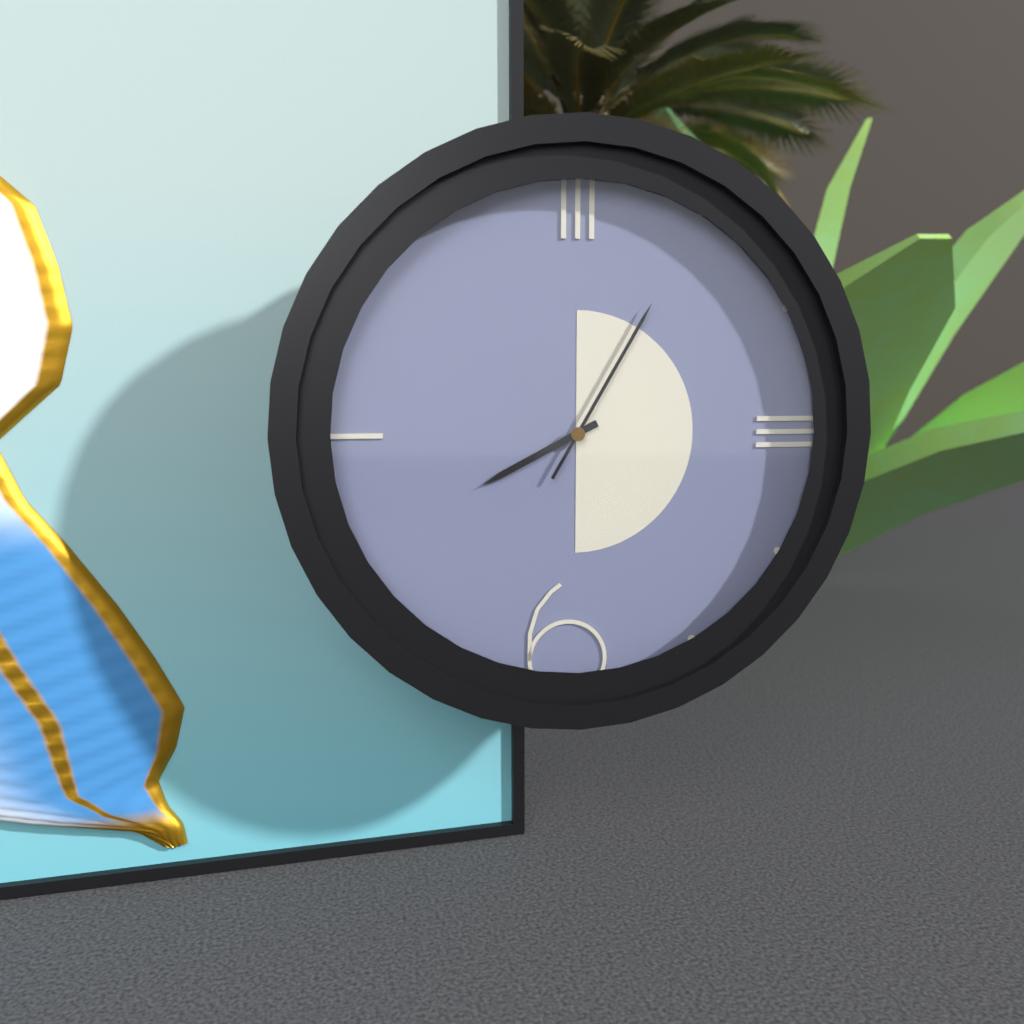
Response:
h=8 m=5
